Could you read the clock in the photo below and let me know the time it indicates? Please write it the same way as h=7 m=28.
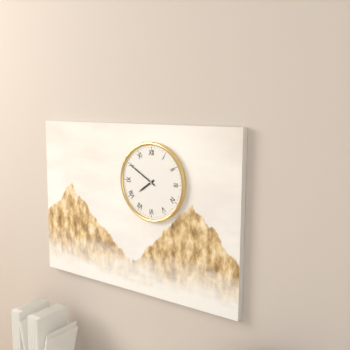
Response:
h=7 m=50
